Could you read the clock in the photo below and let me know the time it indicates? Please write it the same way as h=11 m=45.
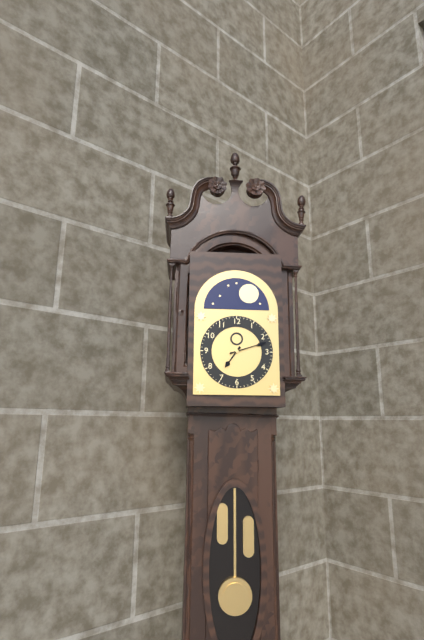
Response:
h=7 m=12
